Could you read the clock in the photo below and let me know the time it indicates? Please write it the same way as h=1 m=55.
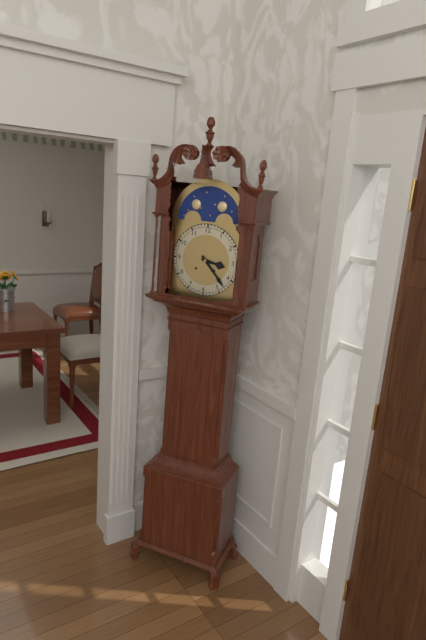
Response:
h=3 m=23
